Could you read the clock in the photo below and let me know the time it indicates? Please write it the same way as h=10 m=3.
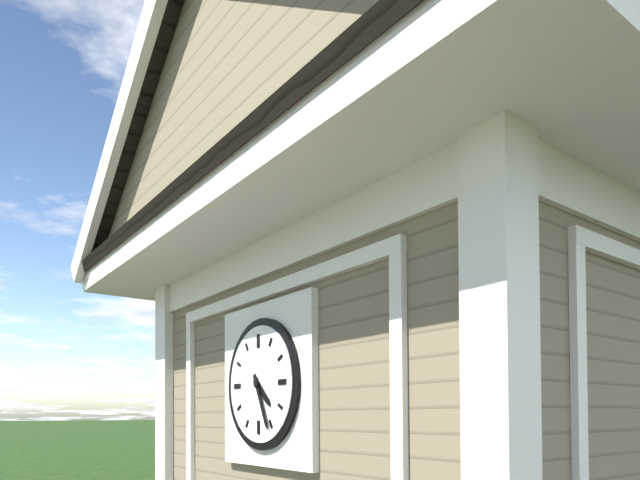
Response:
h=4 m=26
